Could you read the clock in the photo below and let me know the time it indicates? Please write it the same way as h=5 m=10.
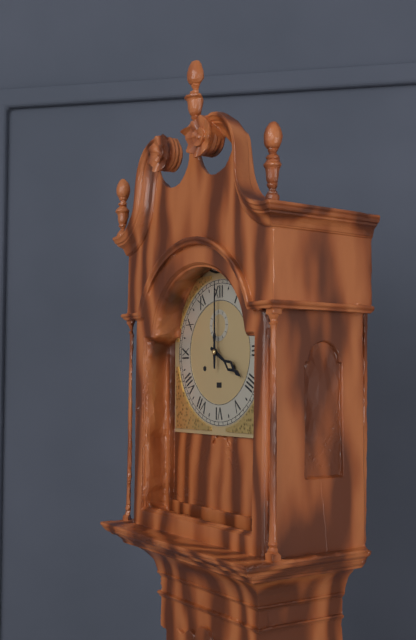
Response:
h=4 m=0
